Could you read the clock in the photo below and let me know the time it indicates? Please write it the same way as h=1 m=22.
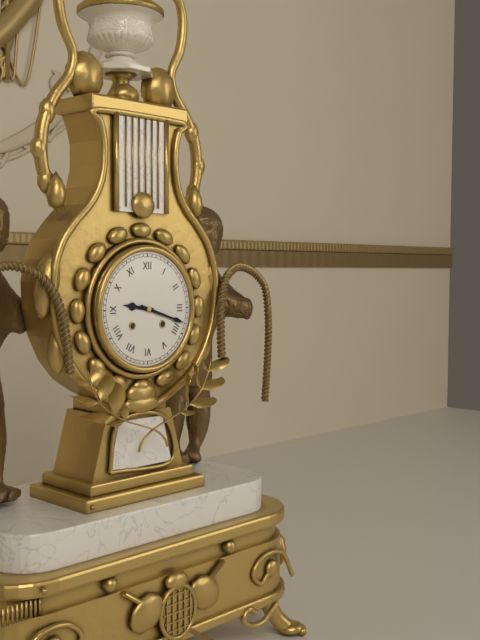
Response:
h=9 m=18
